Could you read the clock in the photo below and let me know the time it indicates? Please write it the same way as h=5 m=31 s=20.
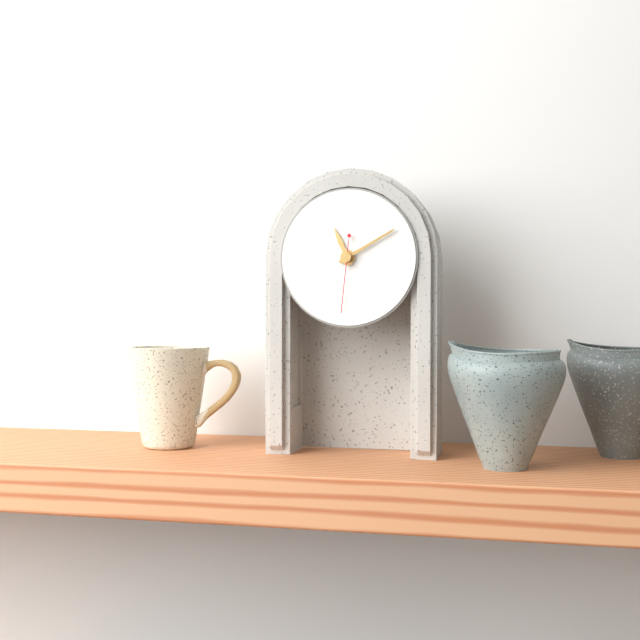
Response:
h=11 m=10 s=31
